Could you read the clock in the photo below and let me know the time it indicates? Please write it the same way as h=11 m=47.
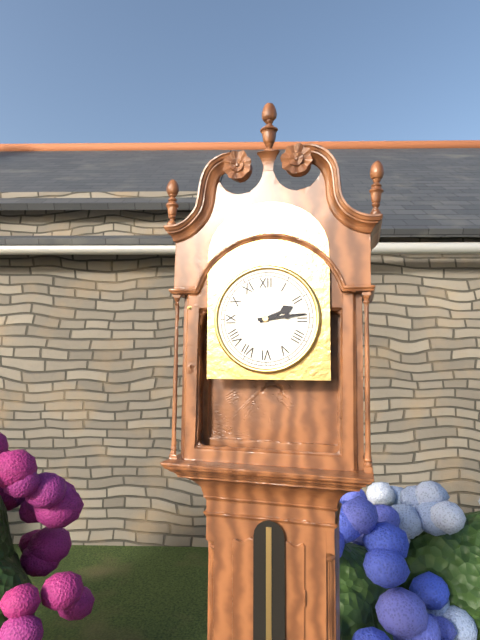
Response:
h=2 m=14
